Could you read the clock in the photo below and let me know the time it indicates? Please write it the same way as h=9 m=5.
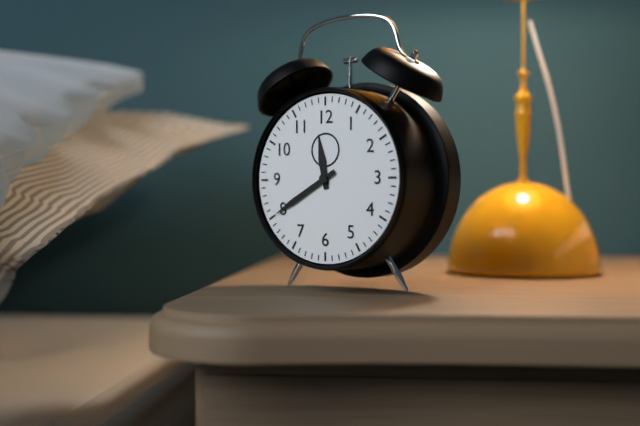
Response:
h=11 m=40
